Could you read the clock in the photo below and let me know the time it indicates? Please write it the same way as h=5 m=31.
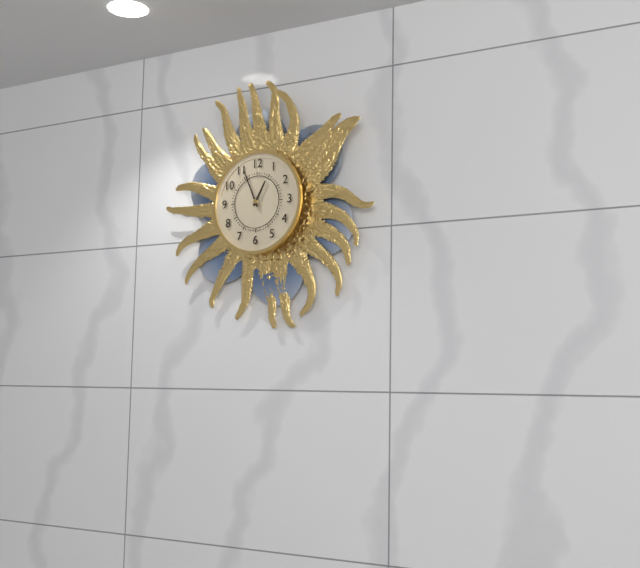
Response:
h=12 m=56
